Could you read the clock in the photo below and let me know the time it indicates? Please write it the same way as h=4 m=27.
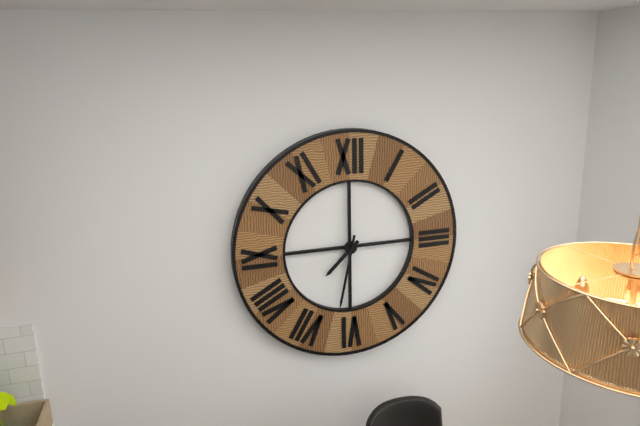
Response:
h=7 m=32
